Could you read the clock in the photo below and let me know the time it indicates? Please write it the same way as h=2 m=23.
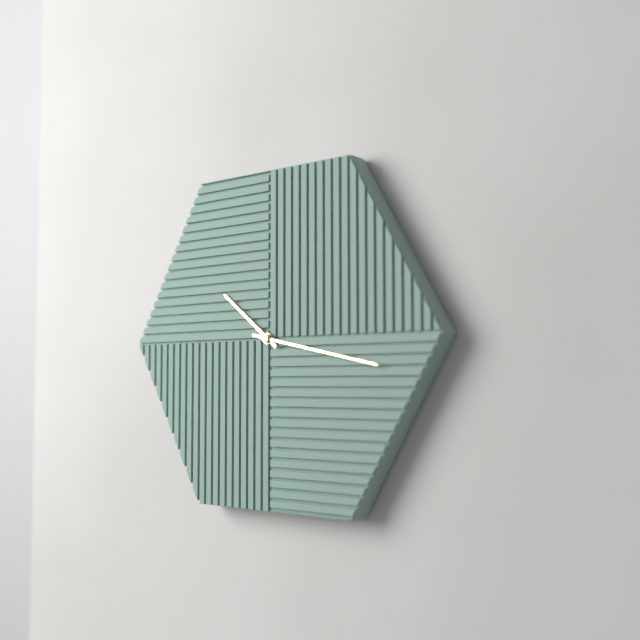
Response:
h=10 m=17
